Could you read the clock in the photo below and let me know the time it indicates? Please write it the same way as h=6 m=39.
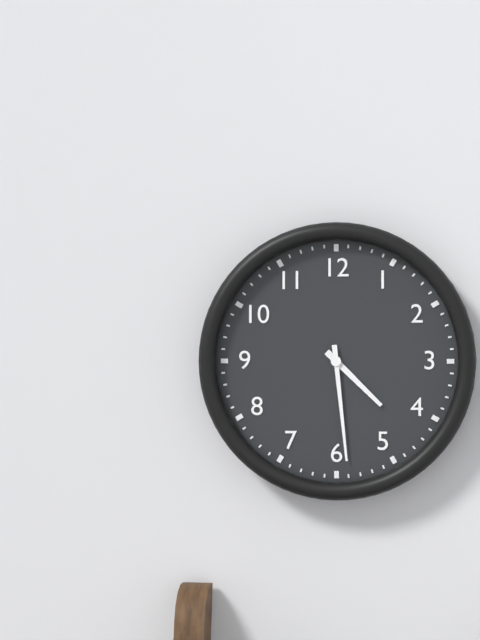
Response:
h=4 m=29
